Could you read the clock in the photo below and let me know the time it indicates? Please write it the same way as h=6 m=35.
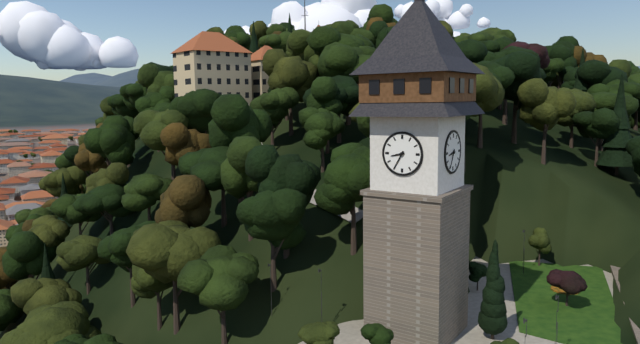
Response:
h=8 m=35
